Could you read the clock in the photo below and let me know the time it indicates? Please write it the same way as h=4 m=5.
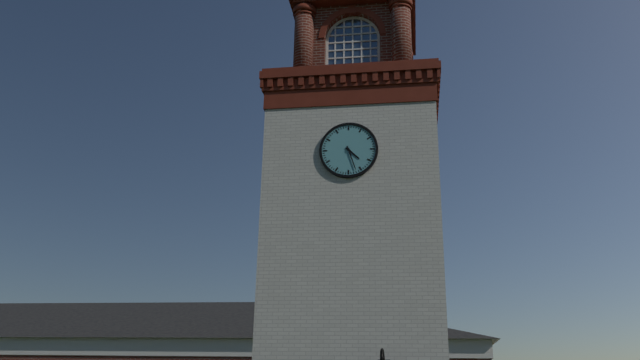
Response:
h=4 m=27
